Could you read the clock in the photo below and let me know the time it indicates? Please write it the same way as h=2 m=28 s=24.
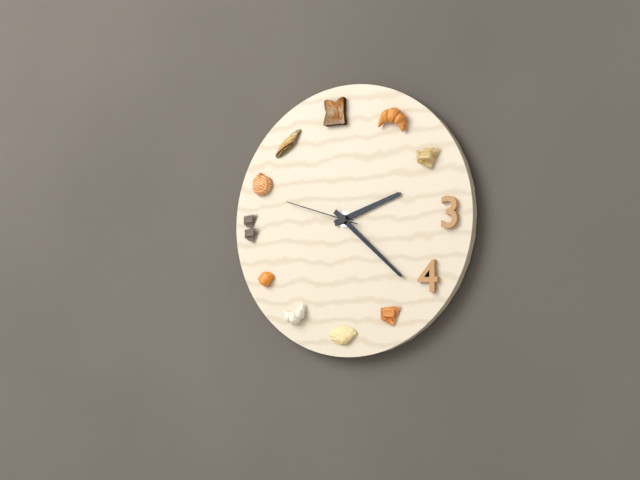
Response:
h=2 m=22 s=48
